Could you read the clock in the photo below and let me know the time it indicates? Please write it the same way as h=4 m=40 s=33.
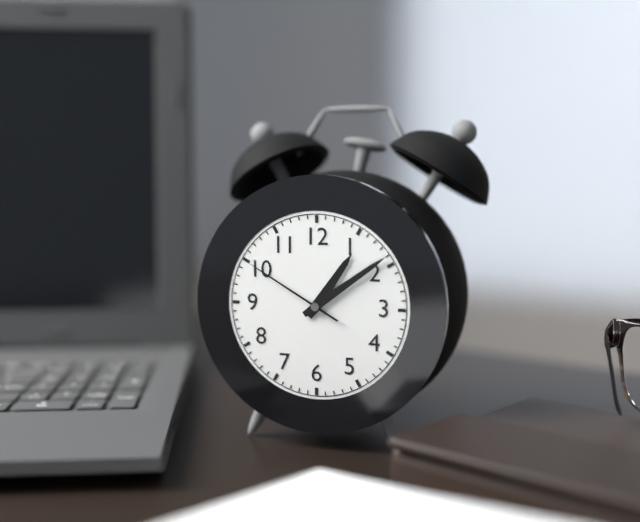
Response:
h=1 m=9 s=50
